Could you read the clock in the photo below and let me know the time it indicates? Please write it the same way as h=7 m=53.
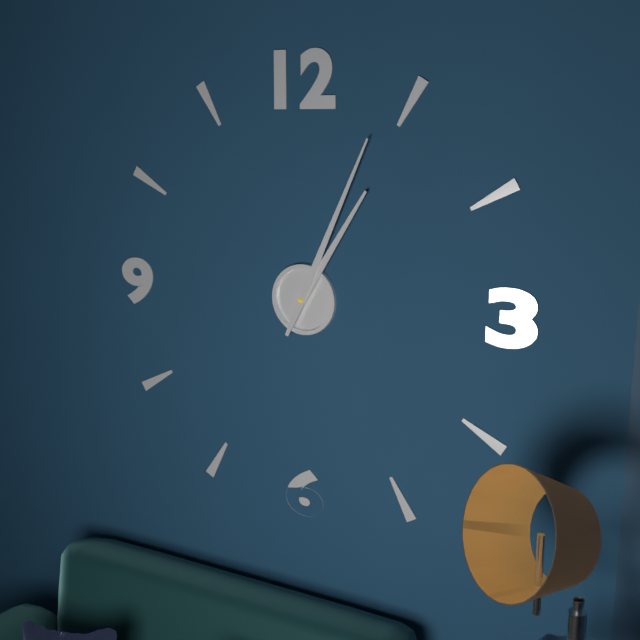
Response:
h=1 m=4
